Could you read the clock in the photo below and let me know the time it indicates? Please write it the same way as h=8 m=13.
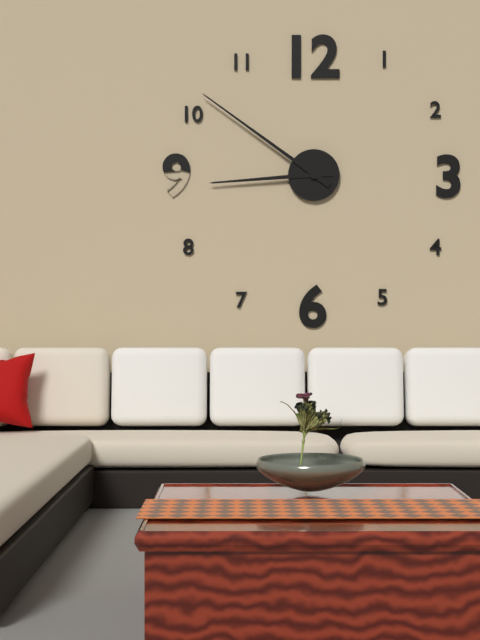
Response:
h=8 m=51
